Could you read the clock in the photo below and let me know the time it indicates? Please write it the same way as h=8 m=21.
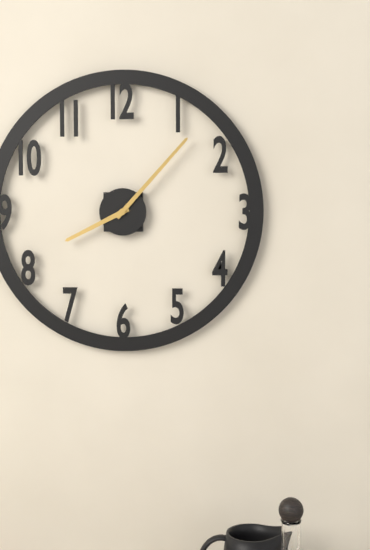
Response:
h=8 m=7
